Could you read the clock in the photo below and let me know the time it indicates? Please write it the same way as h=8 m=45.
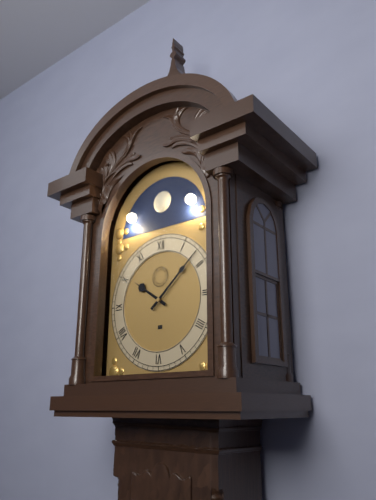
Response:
h=10 m=8
